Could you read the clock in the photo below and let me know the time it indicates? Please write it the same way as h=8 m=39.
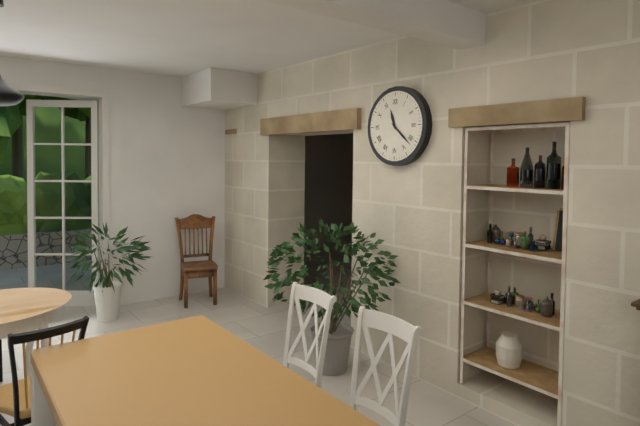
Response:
h=11 m=22
